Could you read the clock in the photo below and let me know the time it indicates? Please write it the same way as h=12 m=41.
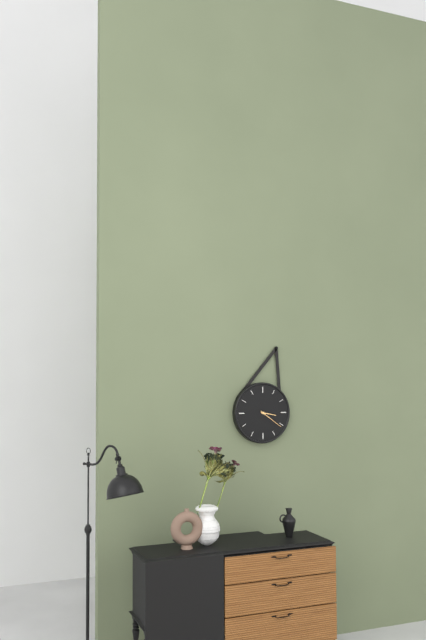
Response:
h=3 m=21
